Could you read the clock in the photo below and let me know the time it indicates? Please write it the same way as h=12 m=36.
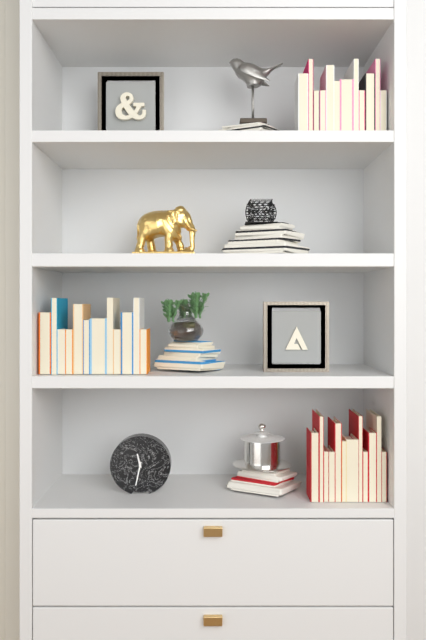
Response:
h=11 m=32
